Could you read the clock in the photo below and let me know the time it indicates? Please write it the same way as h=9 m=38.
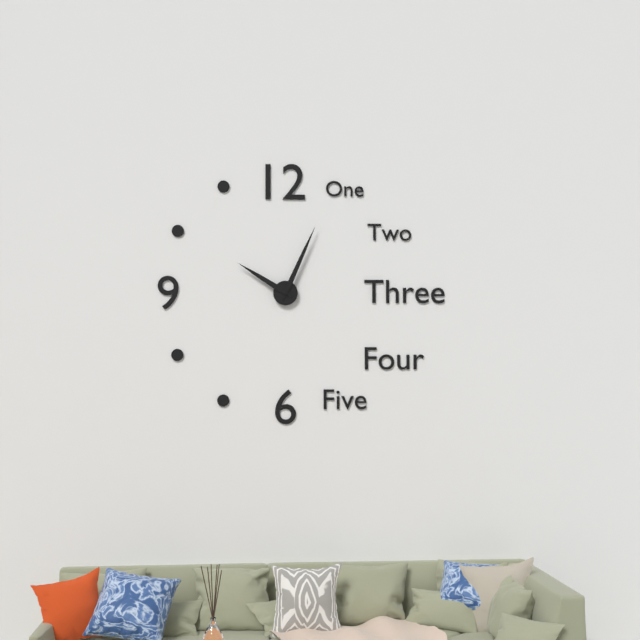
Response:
h=10 m=4
